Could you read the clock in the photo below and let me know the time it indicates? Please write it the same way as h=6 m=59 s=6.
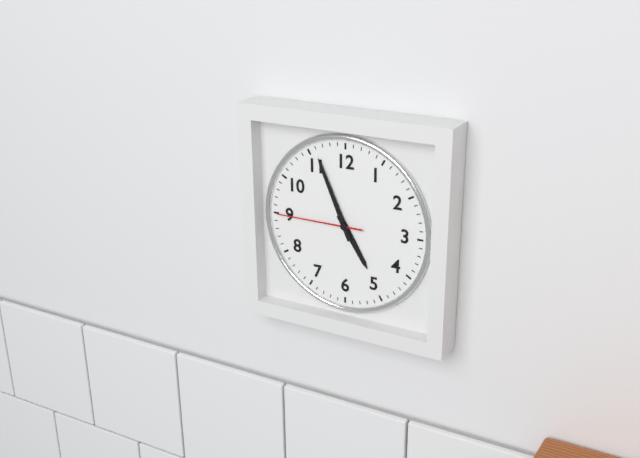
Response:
h=4 m=56 s=45
